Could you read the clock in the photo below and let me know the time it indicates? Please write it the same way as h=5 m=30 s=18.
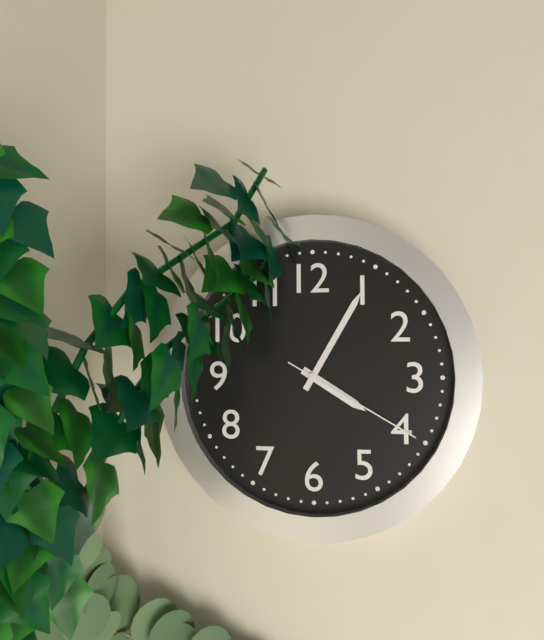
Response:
h=4 m=5 s=20
